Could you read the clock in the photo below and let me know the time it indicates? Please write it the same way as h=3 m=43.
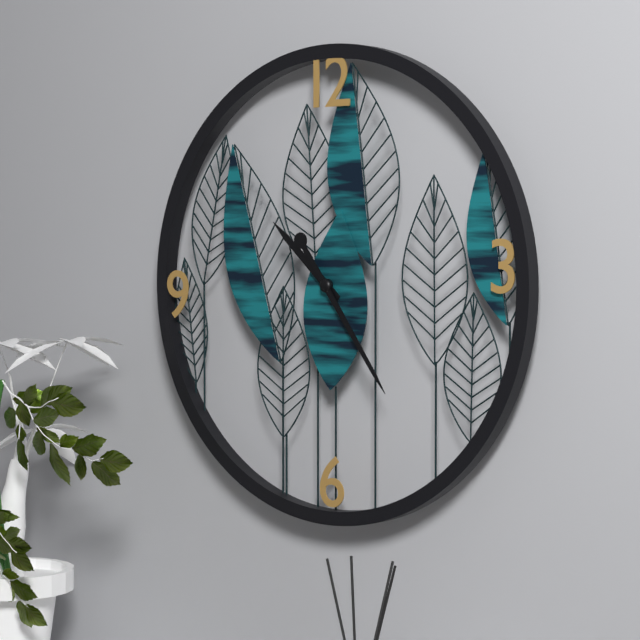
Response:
h=10 m=24
